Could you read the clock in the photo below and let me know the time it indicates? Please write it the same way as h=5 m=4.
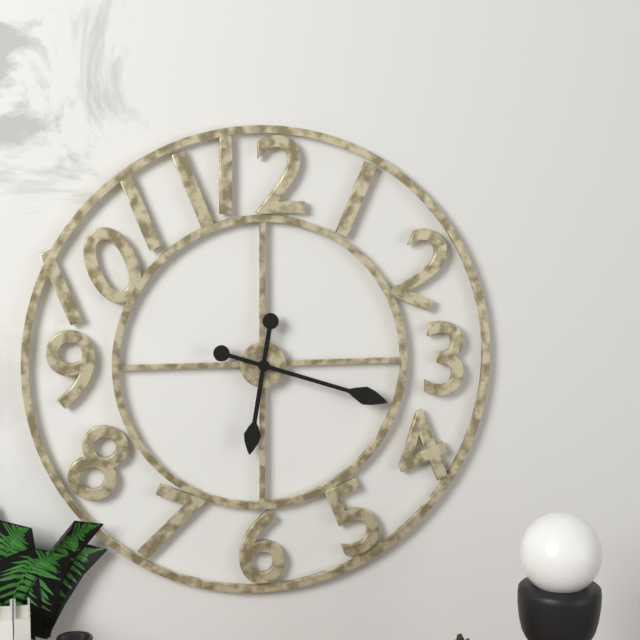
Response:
h=6 m=18
